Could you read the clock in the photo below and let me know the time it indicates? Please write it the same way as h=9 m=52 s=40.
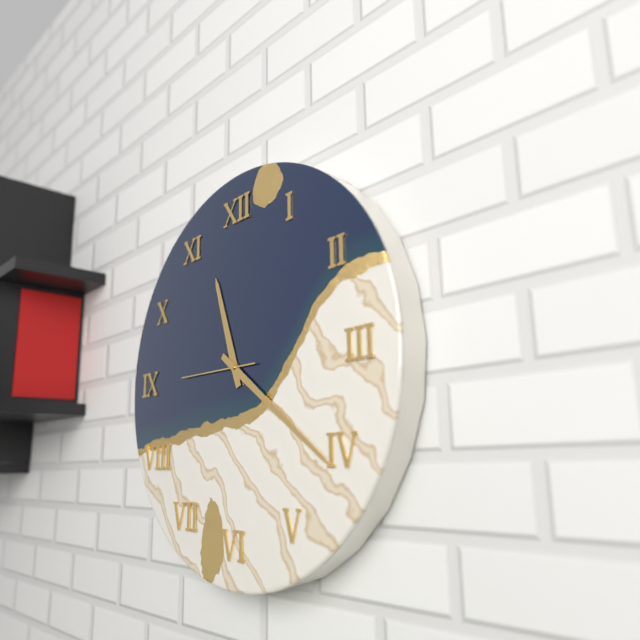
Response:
h=11 m=21 s=45
